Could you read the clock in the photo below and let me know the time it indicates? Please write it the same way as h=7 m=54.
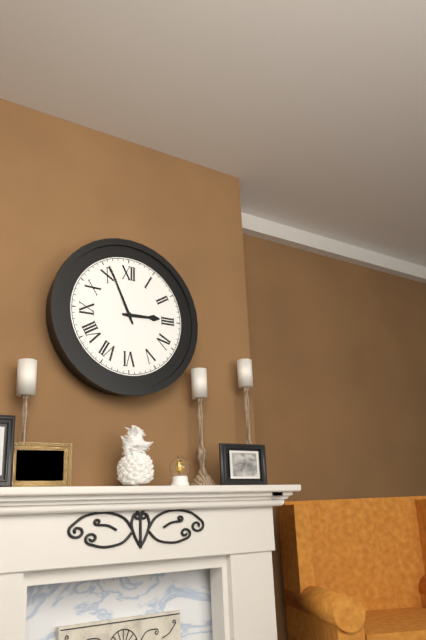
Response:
h=2 m=56
